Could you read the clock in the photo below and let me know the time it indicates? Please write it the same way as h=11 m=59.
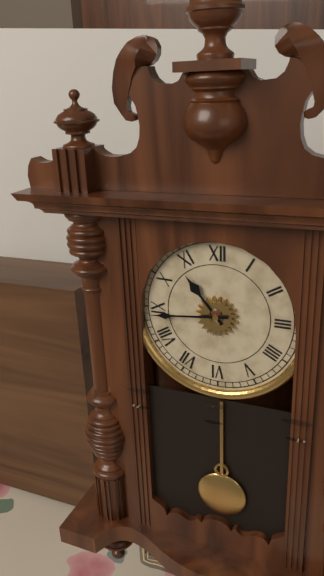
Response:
h=10 m=44
